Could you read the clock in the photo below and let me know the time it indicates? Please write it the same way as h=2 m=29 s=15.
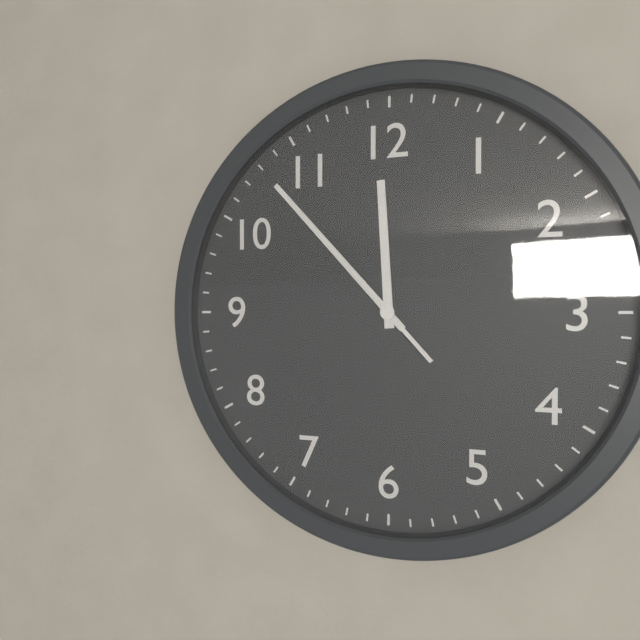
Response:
h=11 m=53 s=53
